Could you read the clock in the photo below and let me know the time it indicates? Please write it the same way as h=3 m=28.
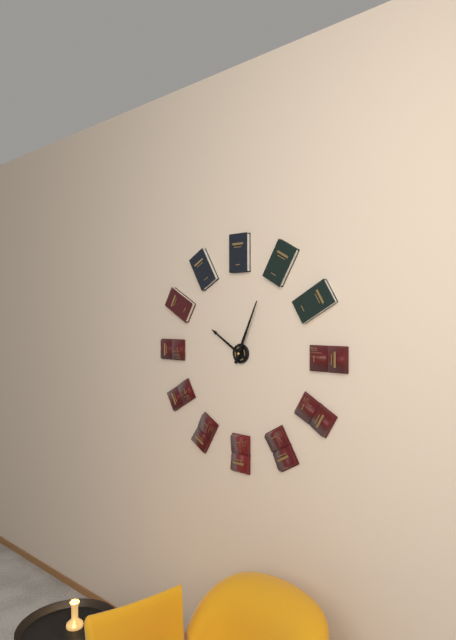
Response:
h=10 m=4
